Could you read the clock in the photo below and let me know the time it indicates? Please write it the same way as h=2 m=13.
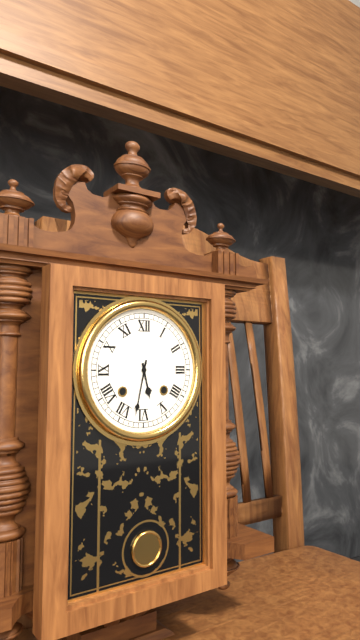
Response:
h=5 m=32
